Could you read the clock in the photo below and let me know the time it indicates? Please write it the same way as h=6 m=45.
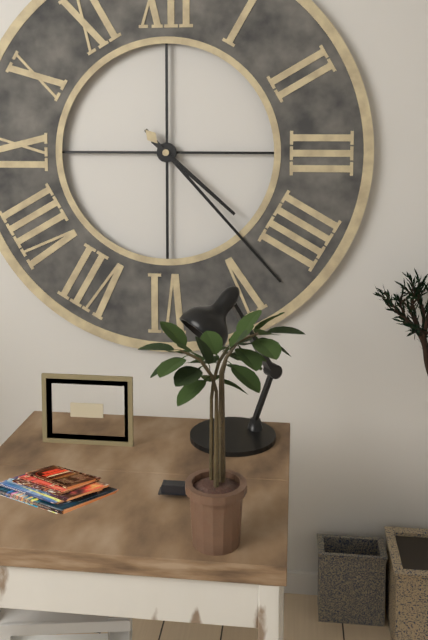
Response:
h=4 m=23
